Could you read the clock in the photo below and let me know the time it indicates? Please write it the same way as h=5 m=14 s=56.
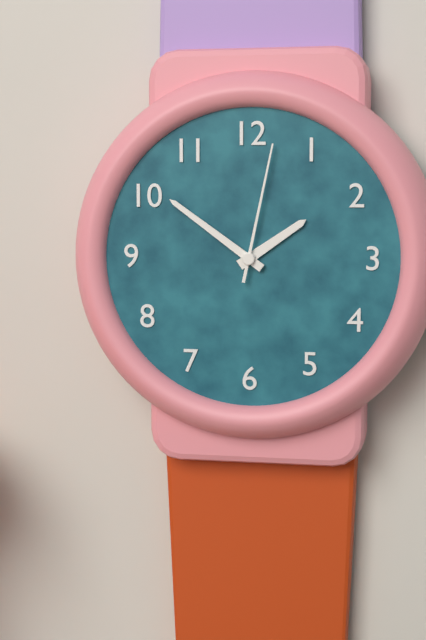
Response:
h=1 m=51 s=2
